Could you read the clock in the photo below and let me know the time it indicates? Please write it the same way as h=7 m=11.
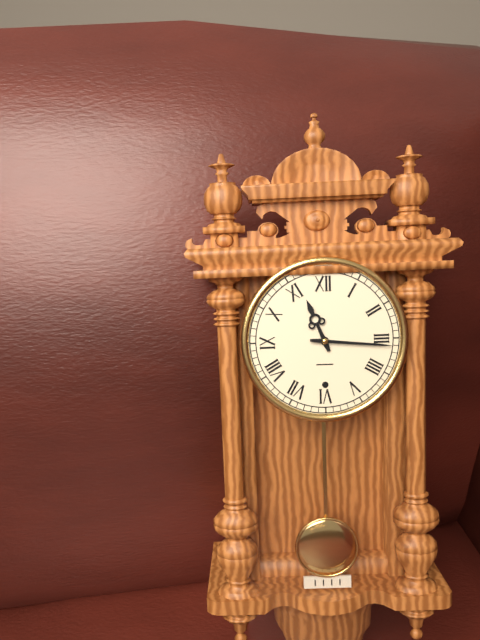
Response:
h=11 m=16
